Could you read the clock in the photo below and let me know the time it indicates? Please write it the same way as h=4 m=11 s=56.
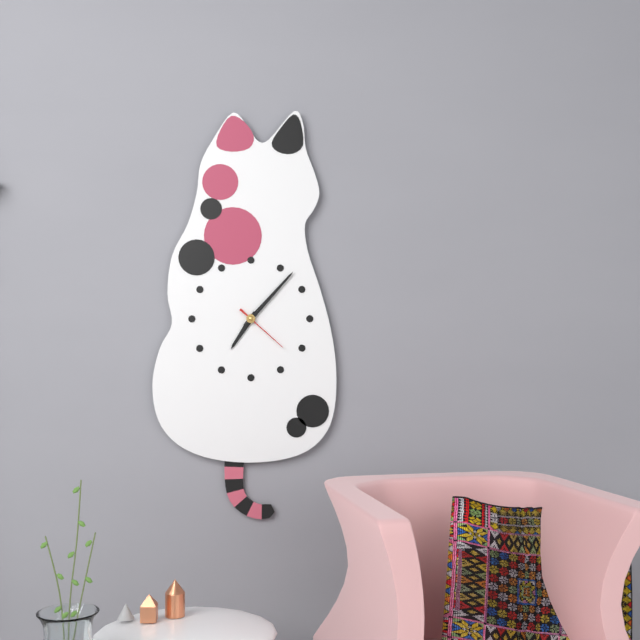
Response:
h=7 m=7 s=22
